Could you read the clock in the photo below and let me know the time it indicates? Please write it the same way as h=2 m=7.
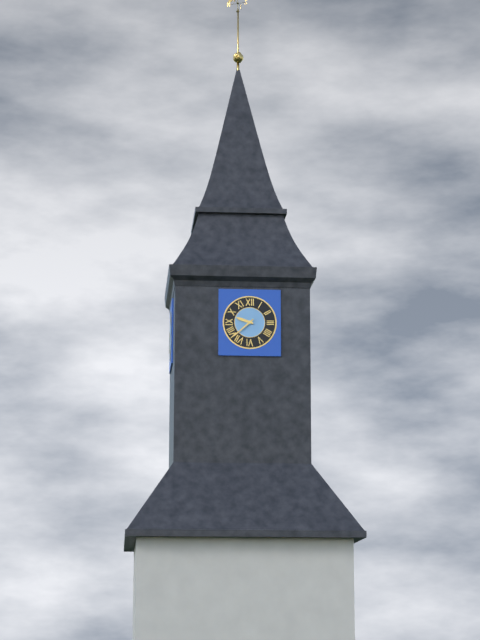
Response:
h=9 m=38
